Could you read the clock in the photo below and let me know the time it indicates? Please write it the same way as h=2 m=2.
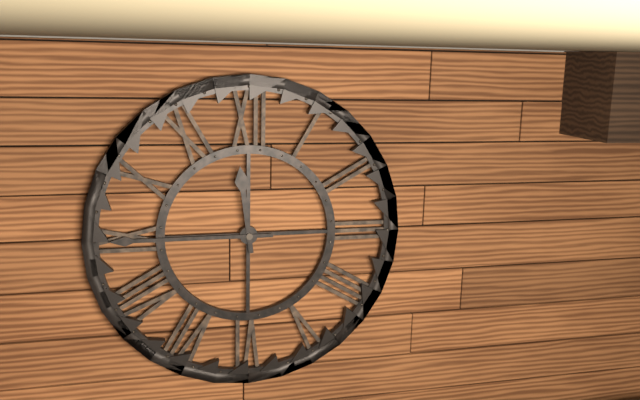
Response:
h=11 m=45
